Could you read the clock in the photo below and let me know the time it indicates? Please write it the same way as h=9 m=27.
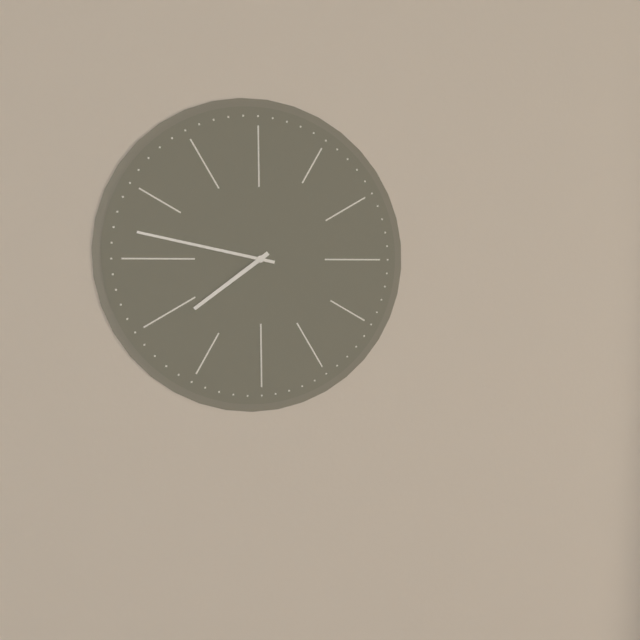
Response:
h=7 m=47
